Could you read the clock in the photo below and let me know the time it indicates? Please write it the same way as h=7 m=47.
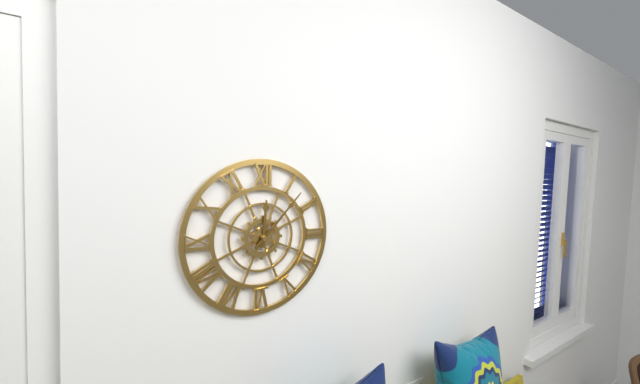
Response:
h=12 m=7
